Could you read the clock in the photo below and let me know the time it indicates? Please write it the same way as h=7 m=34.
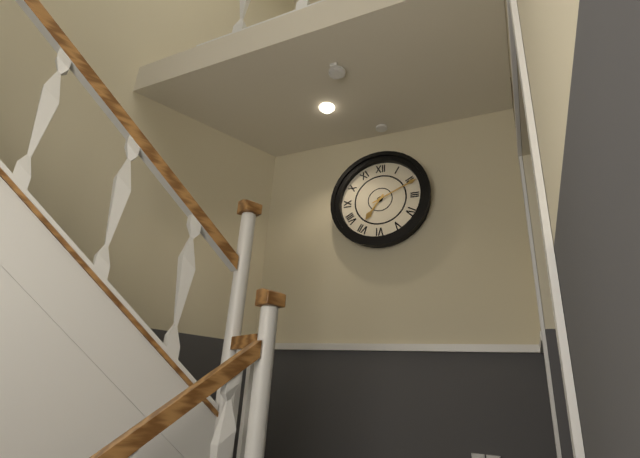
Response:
h=7 m=11
